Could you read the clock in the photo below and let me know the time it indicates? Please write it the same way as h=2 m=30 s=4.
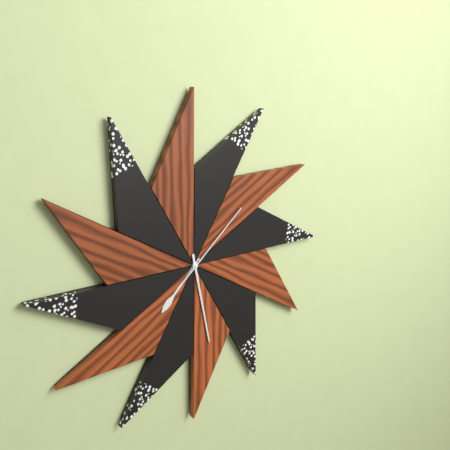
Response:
h=7 m=28 s=8
